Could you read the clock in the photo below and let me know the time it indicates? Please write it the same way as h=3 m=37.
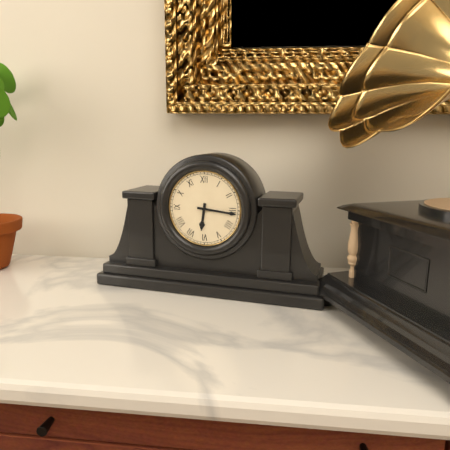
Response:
h=6 m=16
